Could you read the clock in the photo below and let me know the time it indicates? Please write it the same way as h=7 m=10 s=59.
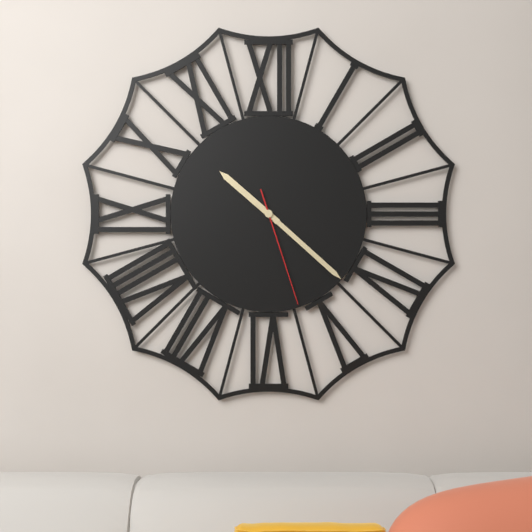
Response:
h=10 m=22 s=27
